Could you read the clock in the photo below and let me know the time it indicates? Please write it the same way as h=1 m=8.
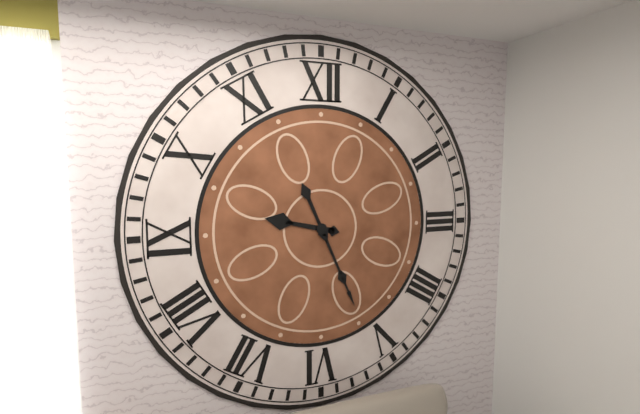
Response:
h=9 m=26
